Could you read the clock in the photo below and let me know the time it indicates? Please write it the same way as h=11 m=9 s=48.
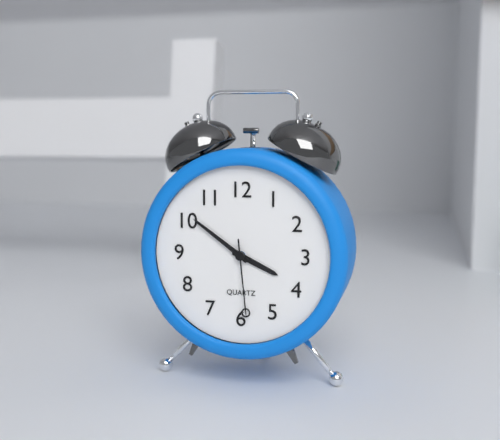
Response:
h=3 m=51 s=29
